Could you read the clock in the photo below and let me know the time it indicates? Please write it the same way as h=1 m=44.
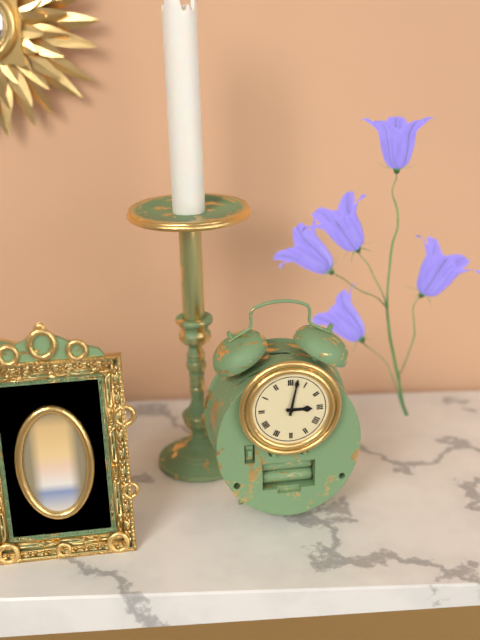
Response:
h=3 m=2
